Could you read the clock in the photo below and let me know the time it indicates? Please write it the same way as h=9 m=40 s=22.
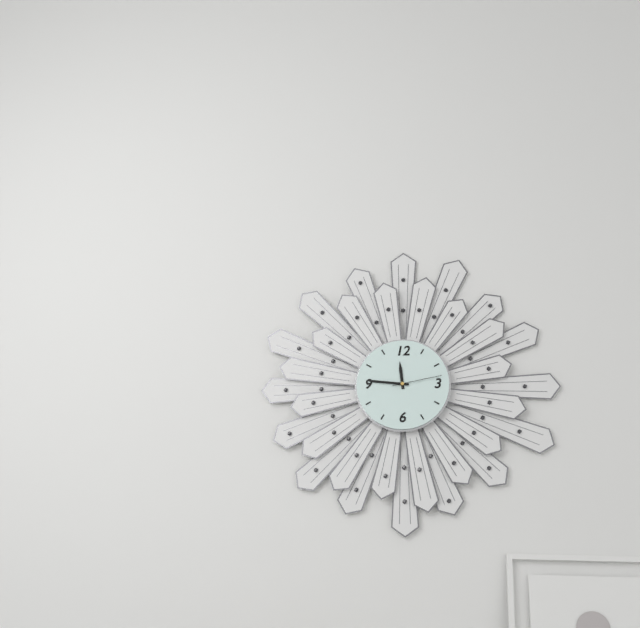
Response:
h=11 m=46 s=13
